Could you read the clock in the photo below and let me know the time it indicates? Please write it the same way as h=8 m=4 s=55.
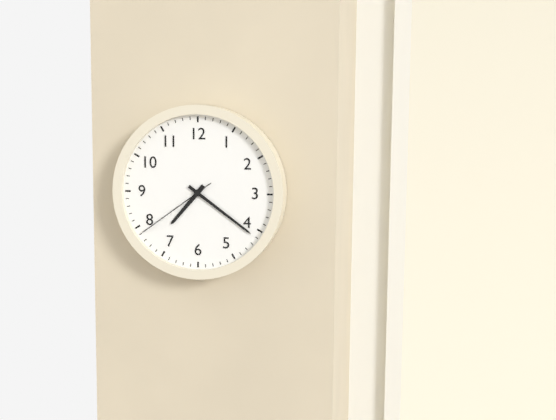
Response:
h=7 m=21 s=39
